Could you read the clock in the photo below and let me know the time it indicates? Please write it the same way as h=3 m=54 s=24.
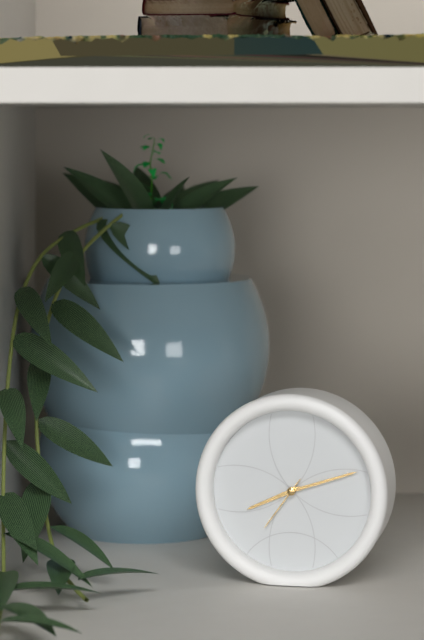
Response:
h=8 m=12 s=36
